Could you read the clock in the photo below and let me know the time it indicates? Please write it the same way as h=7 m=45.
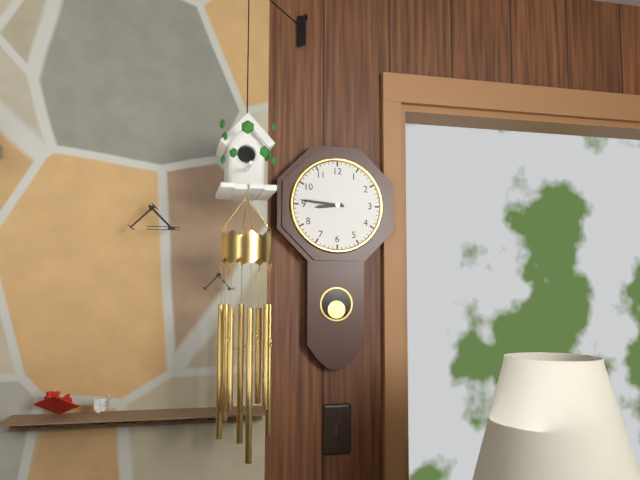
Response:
h=8 m=46
